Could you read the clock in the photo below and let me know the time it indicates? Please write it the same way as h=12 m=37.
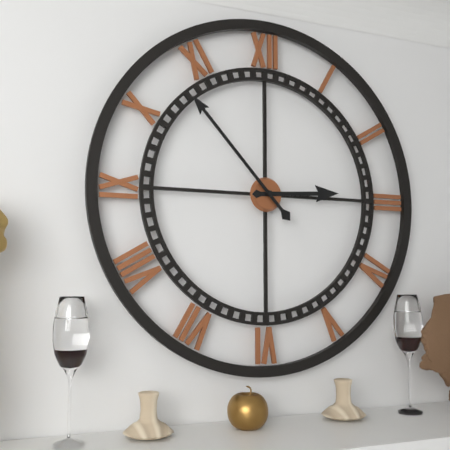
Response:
h=2 m=53
